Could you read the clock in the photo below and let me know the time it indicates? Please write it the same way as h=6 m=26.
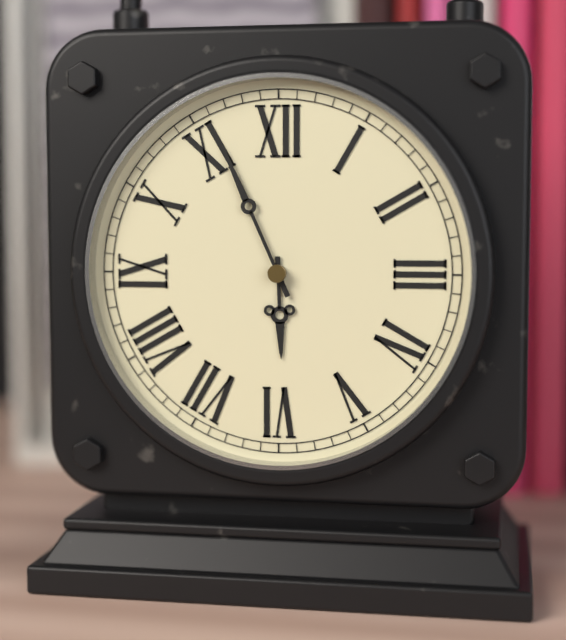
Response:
h=5 m=56
